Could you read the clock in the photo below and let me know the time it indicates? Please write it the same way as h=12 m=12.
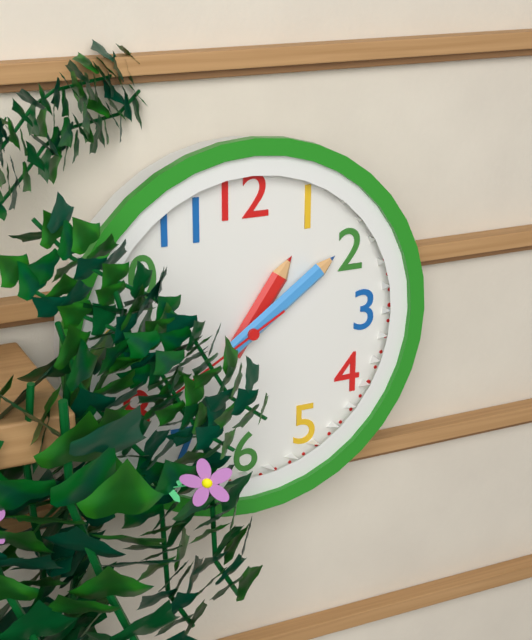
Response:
h=1 m=9
